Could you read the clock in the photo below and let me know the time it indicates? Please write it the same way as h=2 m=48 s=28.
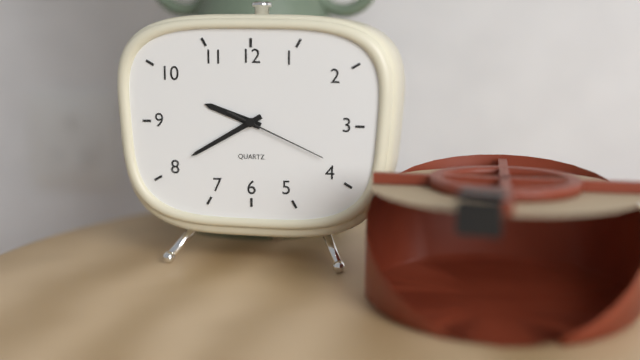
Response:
h=9 m=40 s=19
